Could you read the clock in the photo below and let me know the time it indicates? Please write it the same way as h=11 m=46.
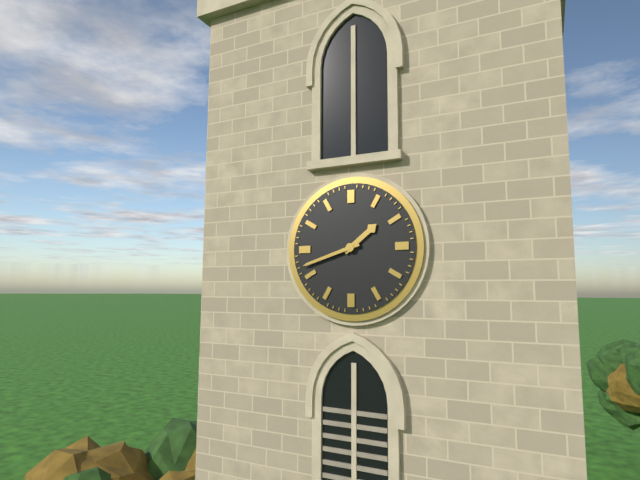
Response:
h=1 m=42
